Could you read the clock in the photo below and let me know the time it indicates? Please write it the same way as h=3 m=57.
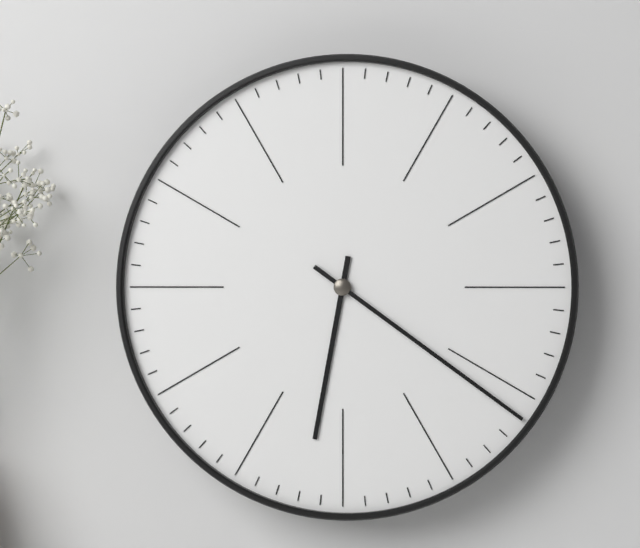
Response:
h=6 m=21
